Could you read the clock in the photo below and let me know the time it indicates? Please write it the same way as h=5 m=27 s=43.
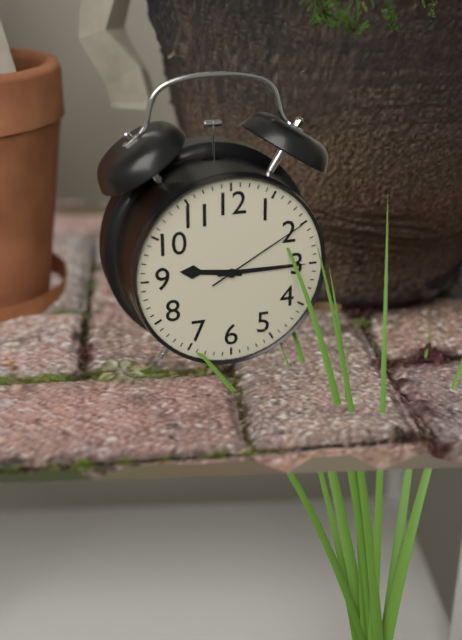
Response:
h=9 m=15 s=10
